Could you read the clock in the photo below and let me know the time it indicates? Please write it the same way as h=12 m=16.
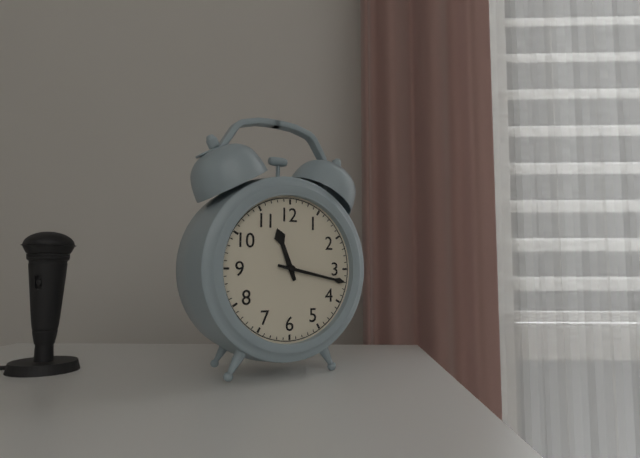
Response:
h=11 m=17
